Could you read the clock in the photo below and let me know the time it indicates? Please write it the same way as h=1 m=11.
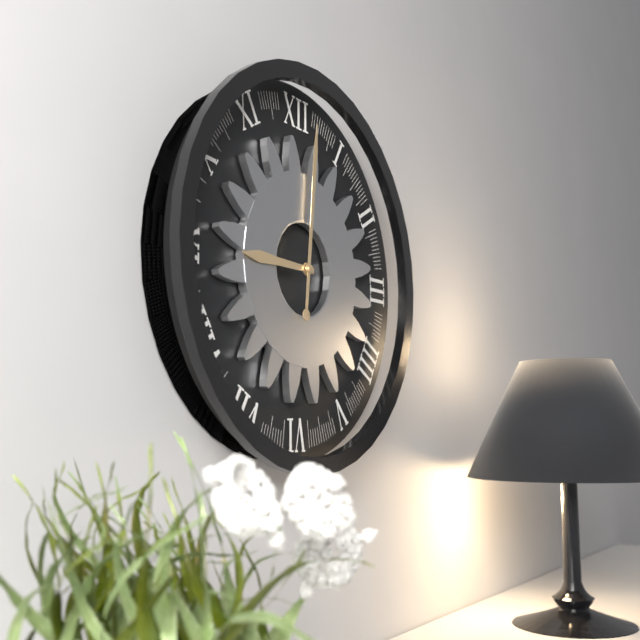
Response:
h=9 m=1
